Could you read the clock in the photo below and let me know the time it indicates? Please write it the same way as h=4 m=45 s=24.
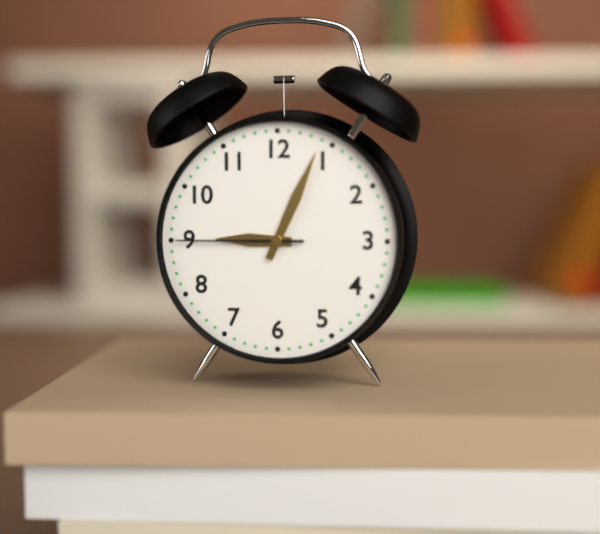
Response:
h=9 m=4 s=45
